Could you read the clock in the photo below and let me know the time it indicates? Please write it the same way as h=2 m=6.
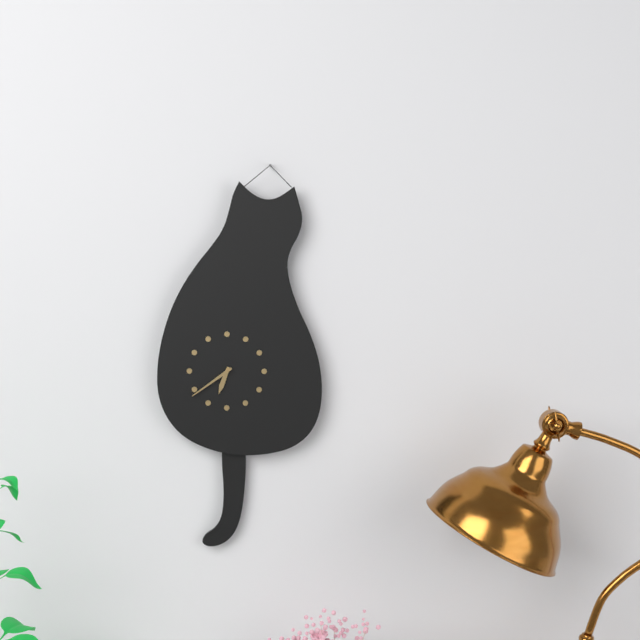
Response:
h=6 m=39
